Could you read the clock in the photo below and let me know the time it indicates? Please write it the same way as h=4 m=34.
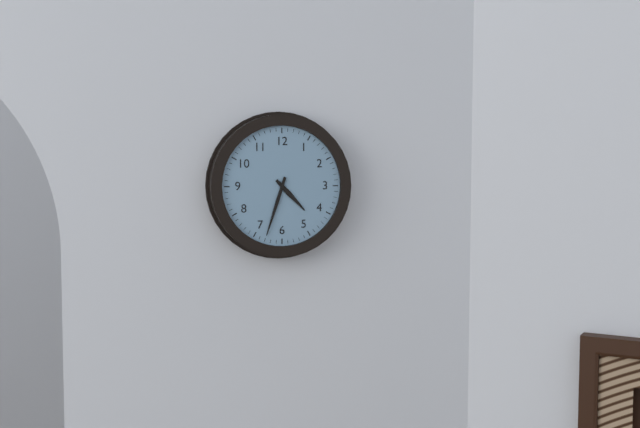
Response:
h=4 m=33
